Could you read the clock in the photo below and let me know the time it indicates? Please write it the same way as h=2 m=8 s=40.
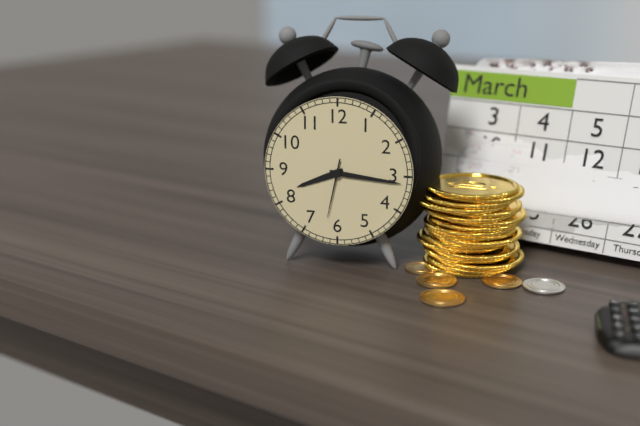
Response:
h=8 m=16 s=32
